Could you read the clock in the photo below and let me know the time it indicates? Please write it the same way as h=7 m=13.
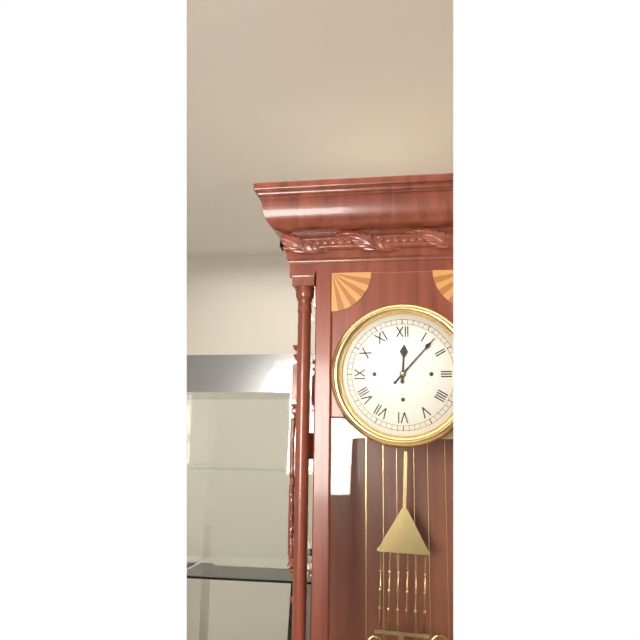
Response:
h=12 m=7
